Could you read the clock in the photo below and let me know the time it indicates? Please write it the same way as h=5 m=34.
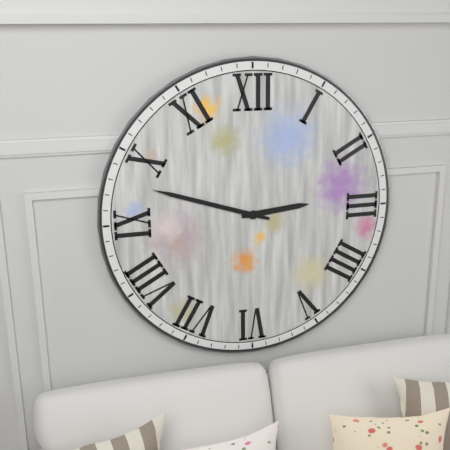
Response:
h=2 m=48
